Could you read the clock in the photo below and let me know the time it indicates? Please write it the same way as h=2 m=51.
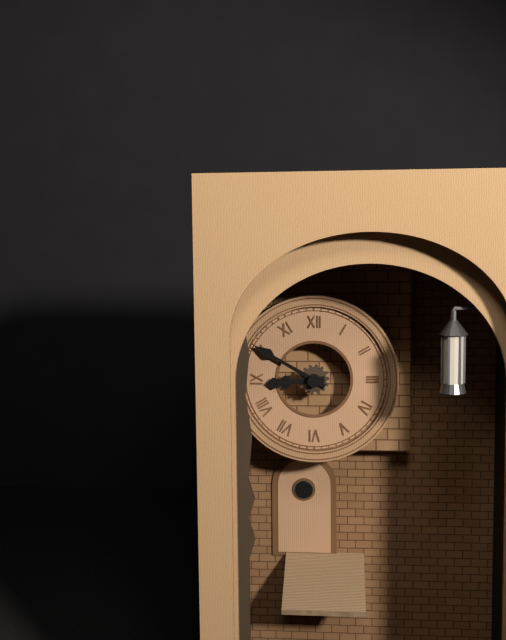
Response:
h=8 m=50
